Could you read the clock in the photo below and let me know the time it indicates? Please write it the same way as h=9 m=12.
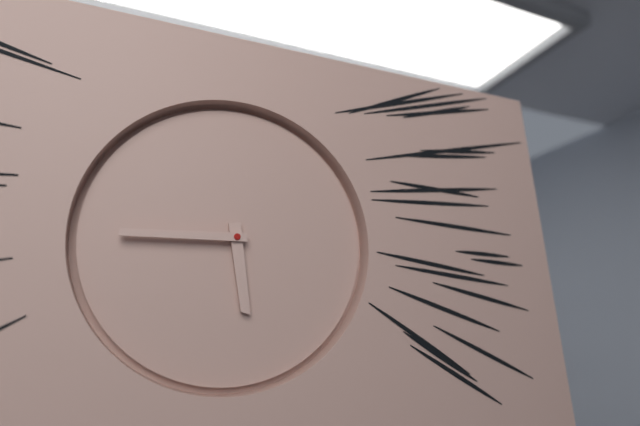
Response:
h=5 m=45
